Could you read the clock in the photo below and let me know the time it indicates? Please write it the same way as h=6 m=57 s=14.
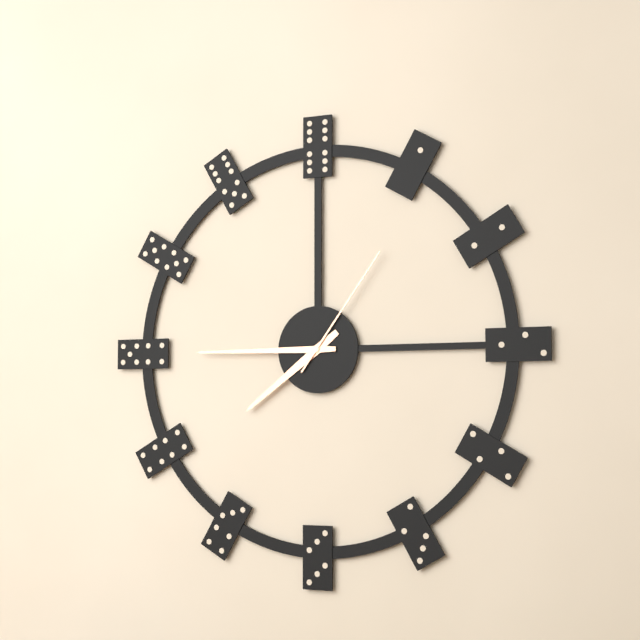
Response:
h=7 m=45 s=6
